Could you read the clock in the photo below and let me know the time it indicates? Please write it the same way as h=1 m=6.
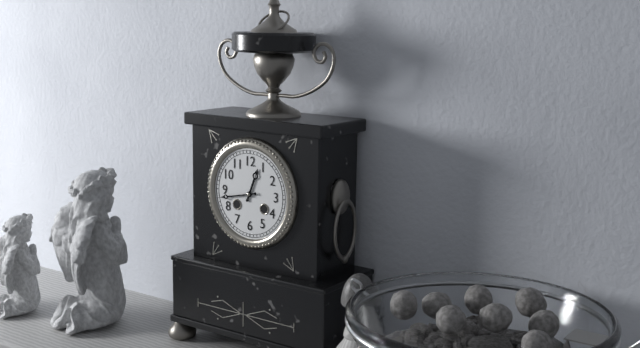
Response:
h=12 m=43
